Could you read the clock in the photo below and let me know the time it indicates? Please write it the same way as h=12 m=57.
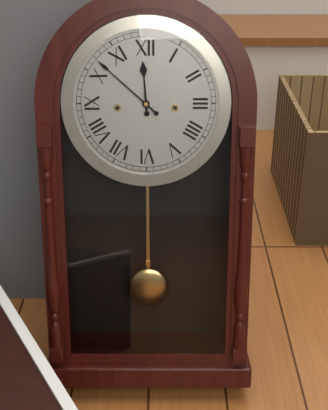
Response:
h=11 m=52
